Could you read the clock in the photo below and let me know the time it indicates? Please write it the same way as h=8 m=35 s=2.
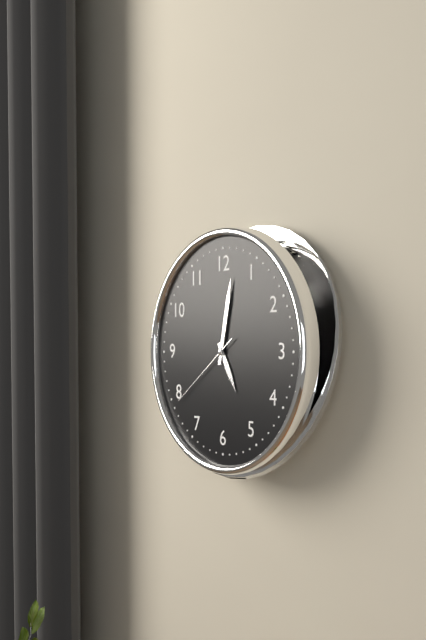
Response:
h=5 m=2 s=39
